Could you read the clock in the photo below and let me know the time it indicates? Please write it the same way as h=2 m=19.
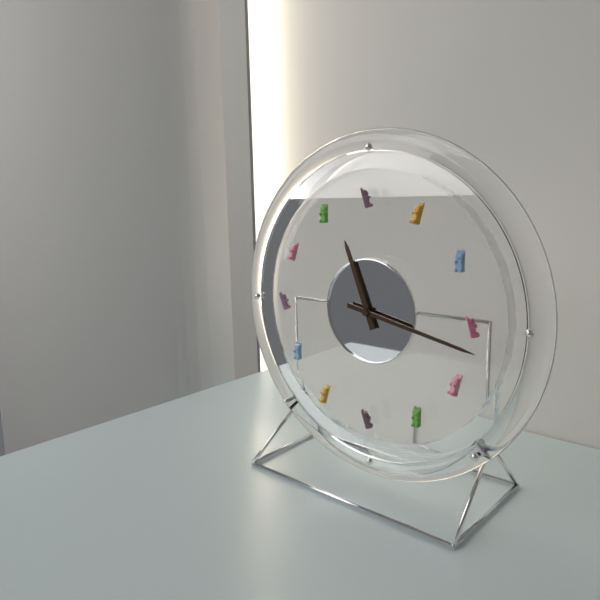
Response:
h=11 m=17
